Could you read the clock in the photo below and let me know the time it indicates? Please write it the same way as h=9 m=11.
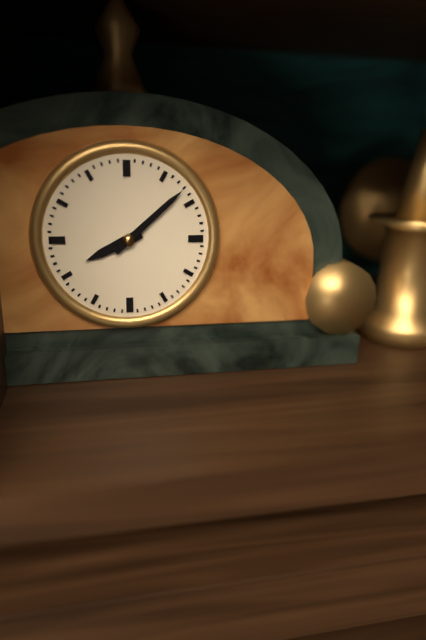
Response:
h=8 m=8
